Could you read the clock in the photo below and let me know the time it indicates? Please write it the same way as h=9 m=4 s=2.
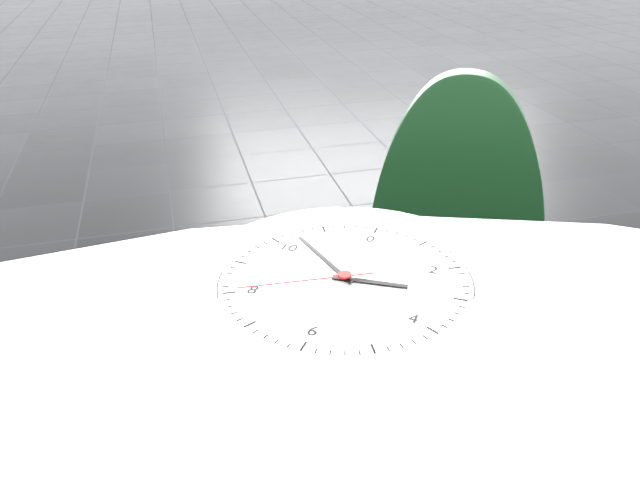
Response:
h=2 m=52 s=40
